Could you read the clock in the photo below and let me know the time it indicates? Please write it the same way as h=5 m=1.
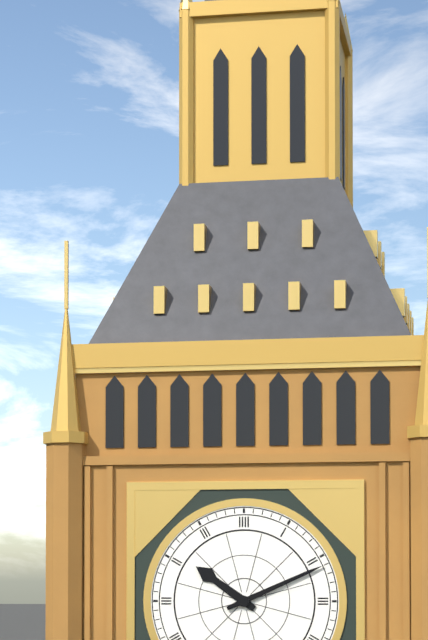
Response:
h=10 m=11
